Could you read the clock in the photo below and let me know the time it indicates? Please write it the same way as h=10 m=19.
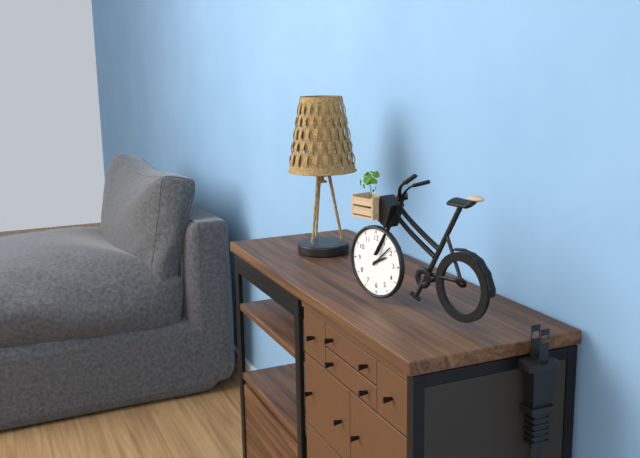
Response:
h=2 m=8
